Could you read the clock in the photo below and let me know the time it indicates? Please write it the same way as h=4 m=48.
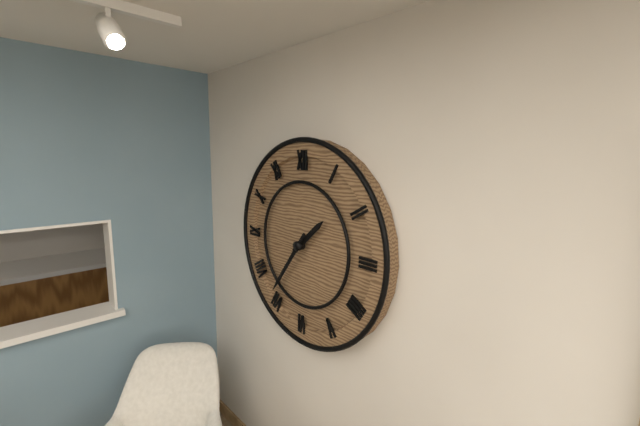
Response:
h=1 m=36
